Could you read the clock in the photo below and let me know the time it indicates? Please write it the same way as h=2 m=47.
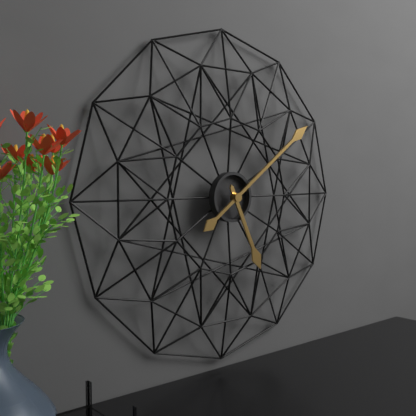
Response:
h=5 m=9
